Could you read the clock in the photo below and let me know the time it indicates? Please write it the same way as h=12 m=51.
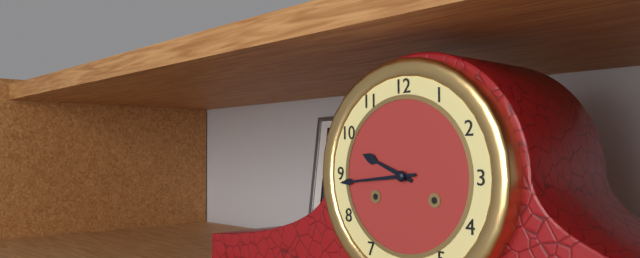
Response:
h=9 m=44
